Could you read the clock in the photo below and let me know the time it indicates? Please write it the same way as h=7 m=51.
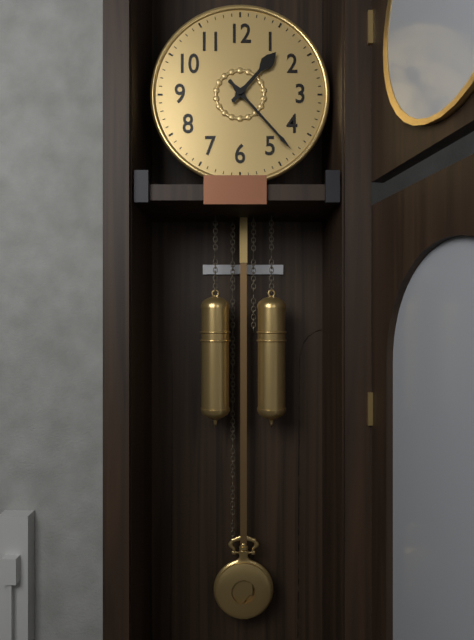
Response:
h=1 m=23
